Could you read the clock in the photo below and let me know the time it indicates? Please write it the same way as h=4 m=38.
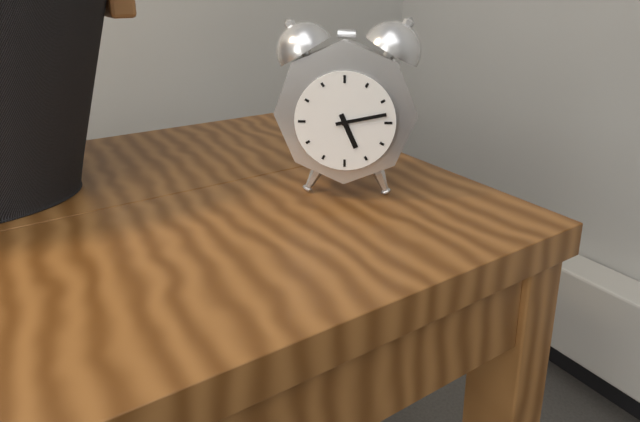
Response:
h=5 m=13
